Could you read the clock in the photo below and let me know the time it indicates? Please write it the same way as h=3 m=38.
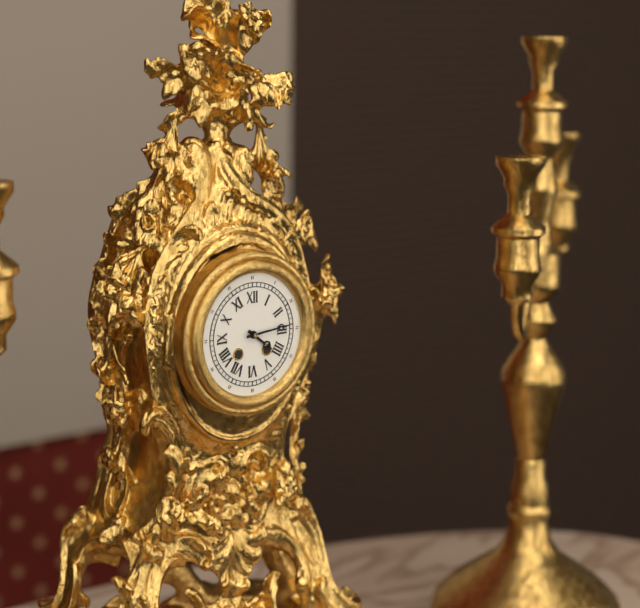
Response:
h=4 m=14
